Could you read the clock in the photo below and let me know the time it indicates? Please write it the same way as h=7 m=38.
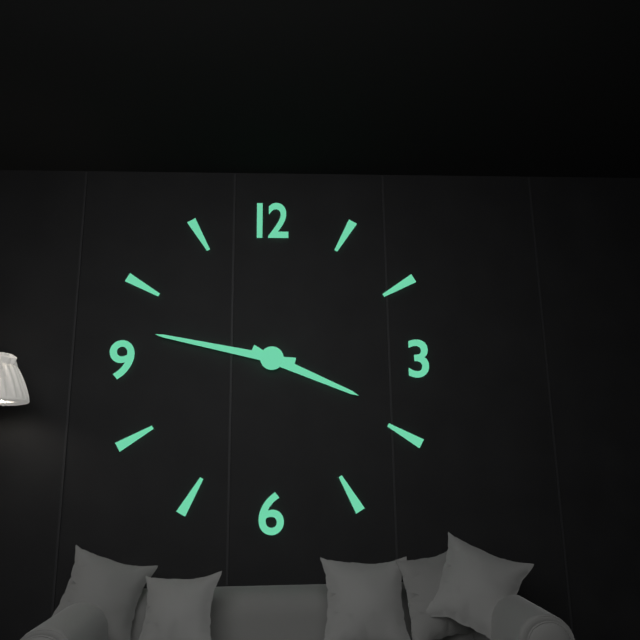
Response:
h=3 m=47
